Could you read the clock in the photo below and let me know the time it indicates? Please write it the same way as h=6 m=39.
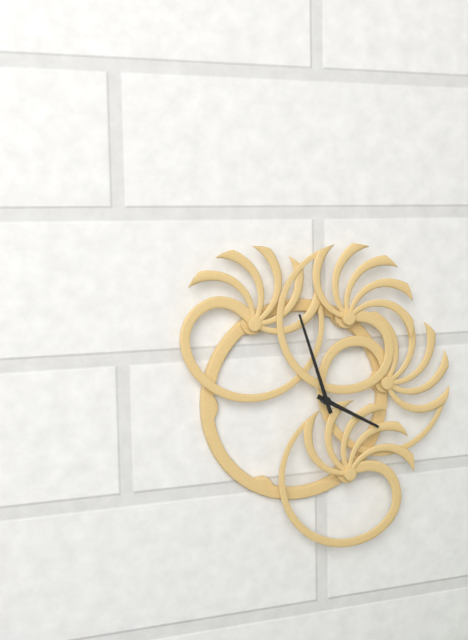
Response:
h=3 m=57
